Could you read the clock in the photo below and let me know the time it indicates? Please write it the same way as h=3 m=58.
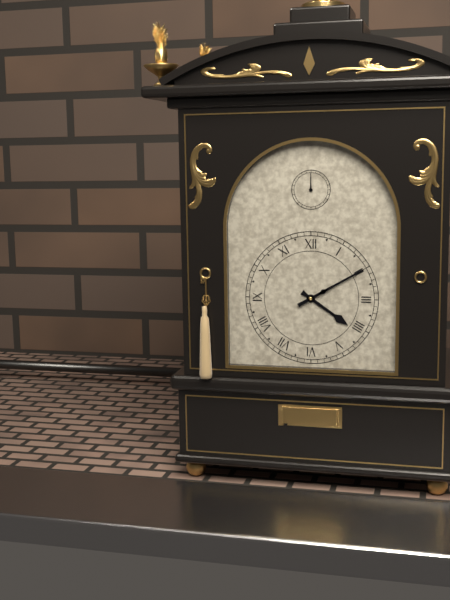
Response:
h=4 m=10
